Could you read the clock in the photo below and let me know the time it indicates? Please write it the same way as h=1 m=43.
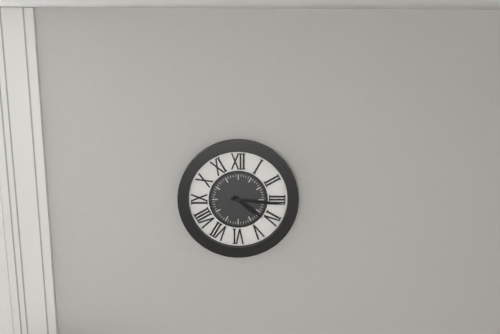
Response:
h=4 m=16
